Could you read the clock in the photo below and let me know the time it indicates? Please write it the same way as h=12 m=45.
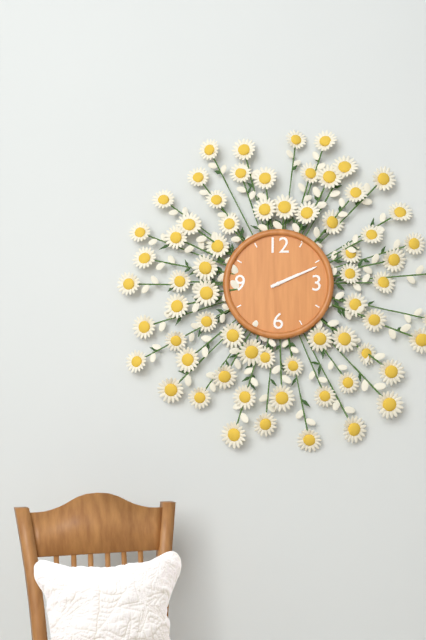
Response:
h=2 m=11
